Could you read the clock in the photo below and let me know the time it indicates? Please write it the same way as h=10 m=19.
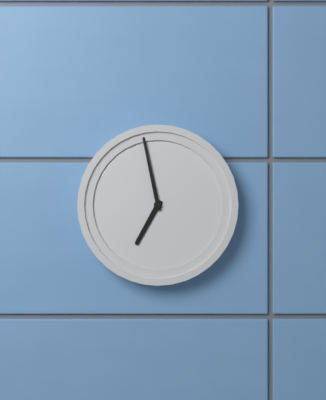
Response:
h=6 m=58
